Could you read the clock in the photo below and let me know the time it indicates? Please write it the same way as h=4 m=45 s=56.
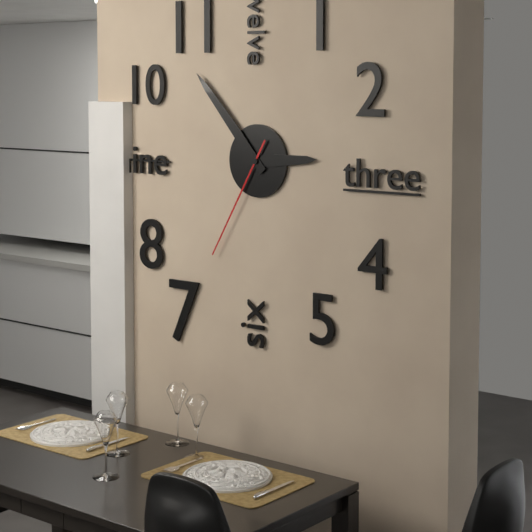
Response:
h=2 m=53 s=35
